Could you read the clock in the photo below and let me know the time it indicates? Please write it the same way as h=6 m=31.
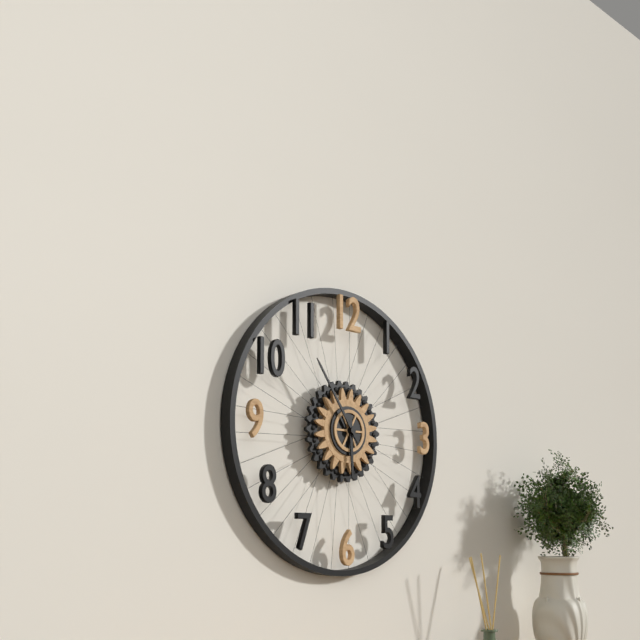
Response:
h=5 m=54
